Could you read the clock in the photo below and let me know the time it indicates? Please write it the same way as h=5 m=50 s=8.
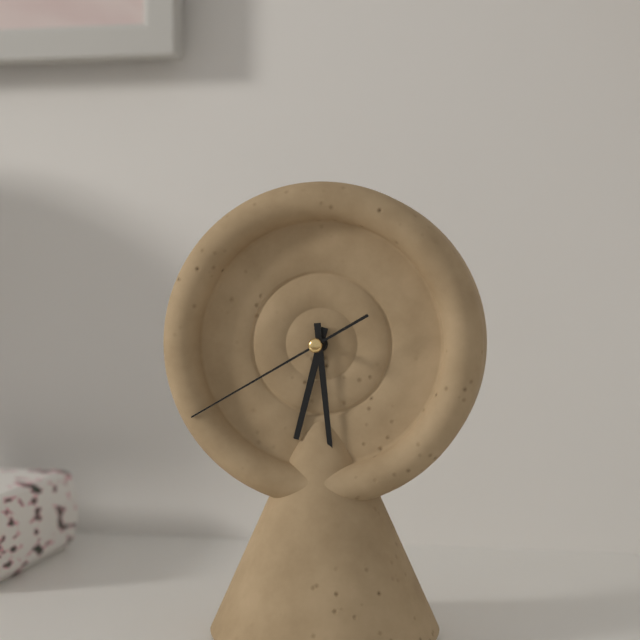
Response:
h=6 m=29 s=40
